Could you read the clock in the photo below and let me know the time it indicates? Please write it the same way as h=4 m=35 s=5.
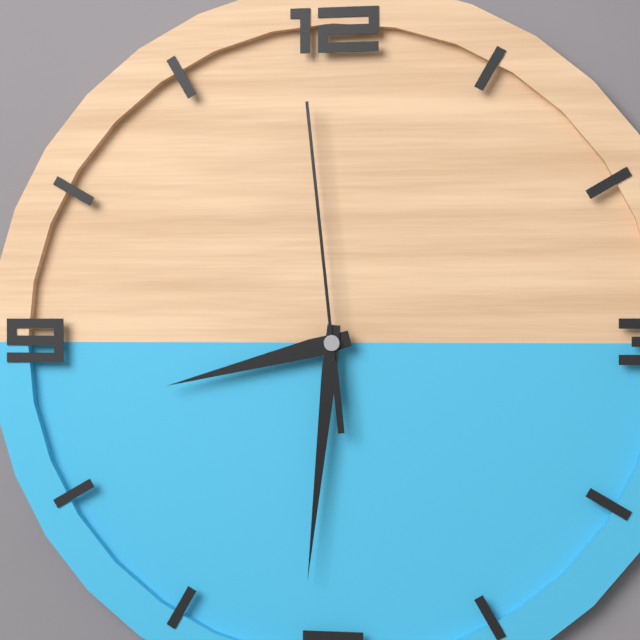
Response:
h=8 m=31 s=59
